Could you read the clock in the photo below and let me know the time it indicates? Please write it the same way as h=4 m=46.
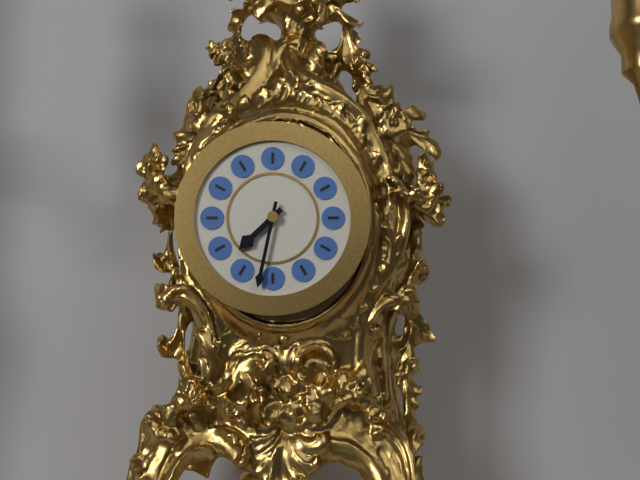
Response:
h=7 m=32
